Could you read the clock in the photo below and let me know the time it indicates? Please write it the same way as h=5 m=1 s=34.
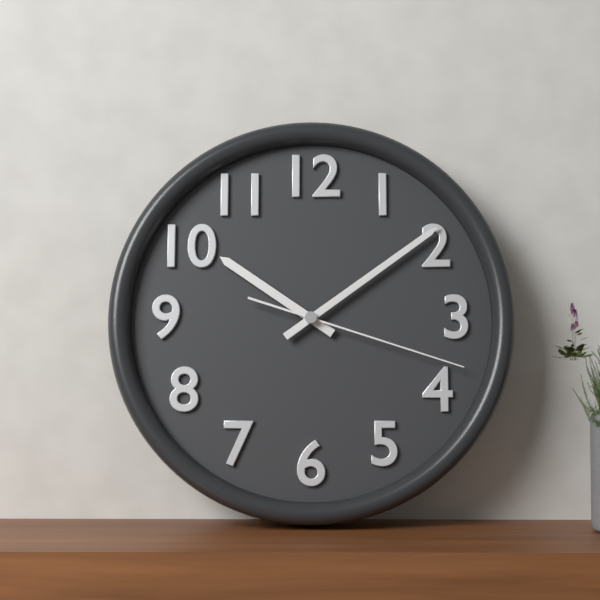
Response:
h=10 m=9 s=18
